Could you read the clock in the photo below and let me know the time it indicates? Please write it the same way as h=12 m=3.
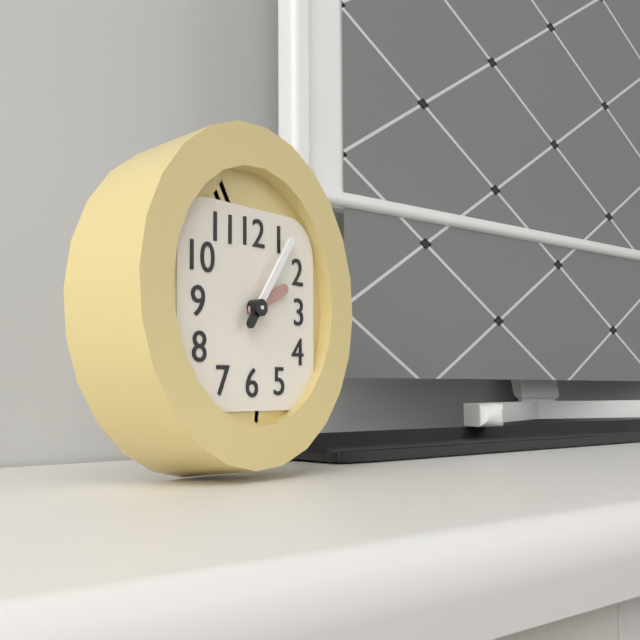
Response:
h=2 m=6
